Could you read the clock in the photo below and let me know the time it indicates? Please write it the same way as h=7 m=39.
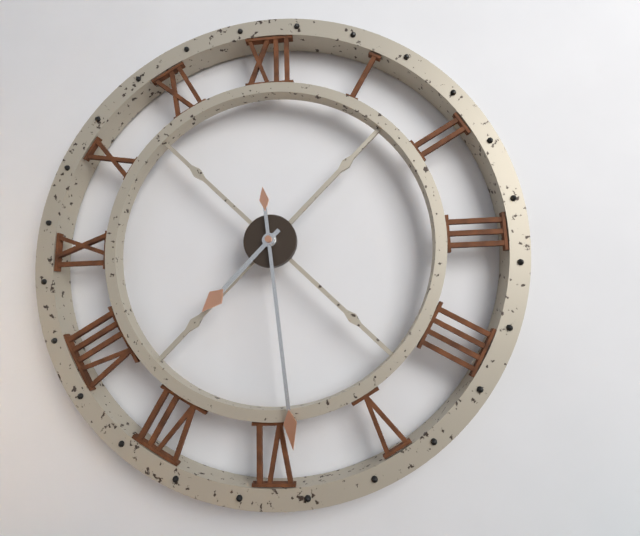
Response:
h=7 m=29
